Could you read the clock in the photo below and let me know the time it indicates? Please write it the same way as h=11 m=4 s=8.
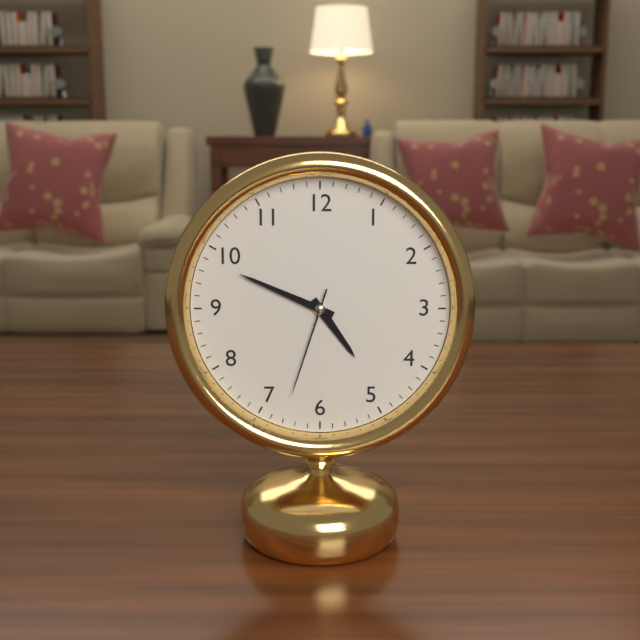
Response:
h=4 m=49 s=33
